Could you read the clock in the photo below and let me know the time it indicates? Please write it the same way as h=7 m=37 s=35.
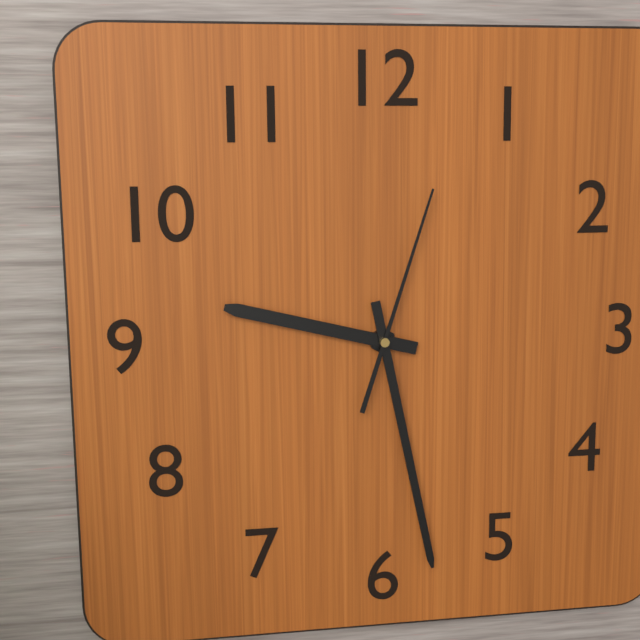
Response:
h=9 m=28 s=3
